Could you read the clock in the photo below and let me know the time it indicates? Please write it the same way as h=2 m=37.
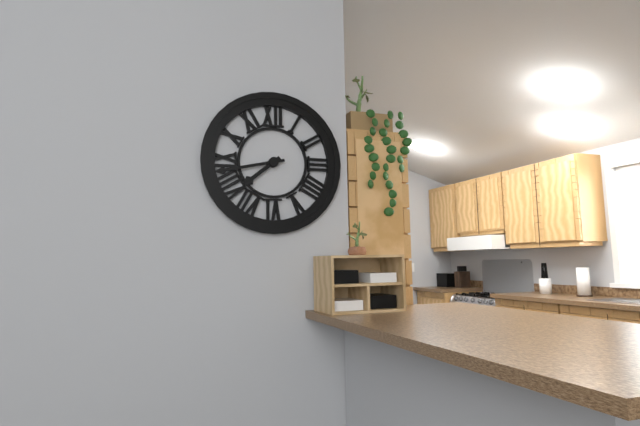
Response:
h=7 m=43
